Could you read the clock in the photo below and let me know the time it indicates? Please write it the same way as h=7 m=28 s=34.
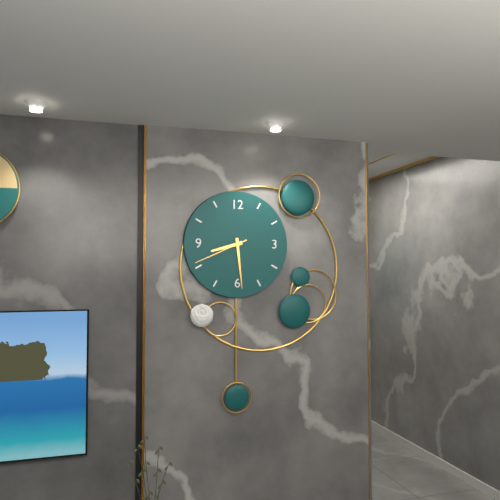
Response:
h=8 m=29 s=41
